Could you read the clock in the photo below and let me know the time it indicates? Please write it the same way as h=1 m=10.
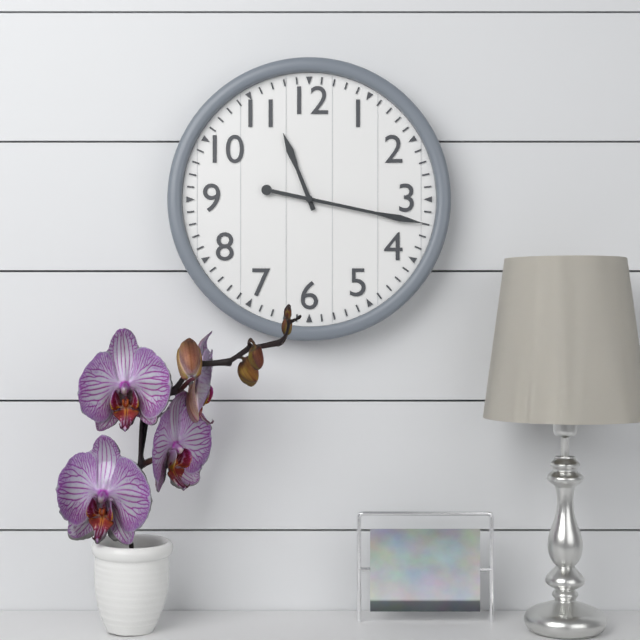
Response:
h=11 m=17
